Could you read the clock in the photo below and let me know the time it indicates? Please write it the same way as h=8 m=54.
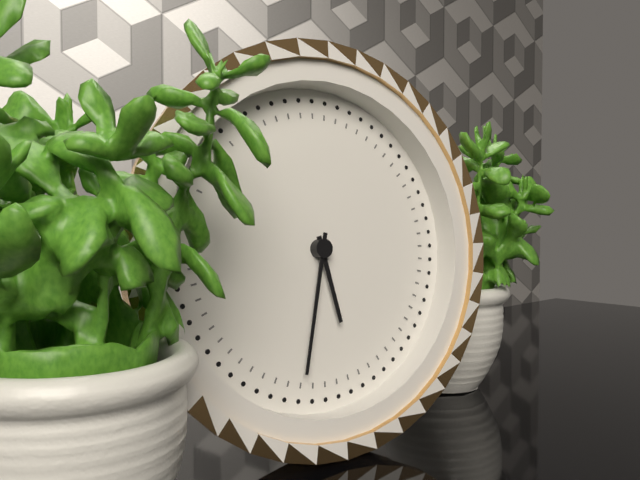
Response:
h=5 m=32
